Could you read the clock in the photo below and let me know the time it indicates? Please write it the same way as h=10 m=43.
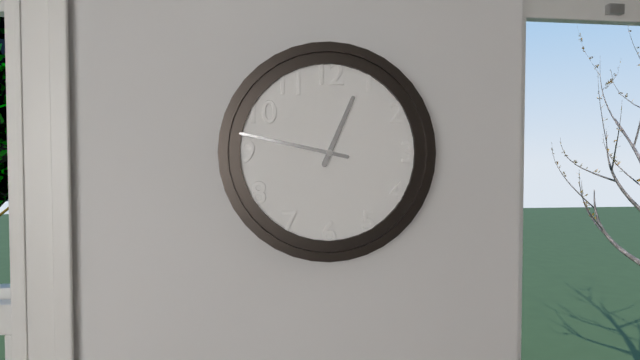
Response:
h=12 m=47
